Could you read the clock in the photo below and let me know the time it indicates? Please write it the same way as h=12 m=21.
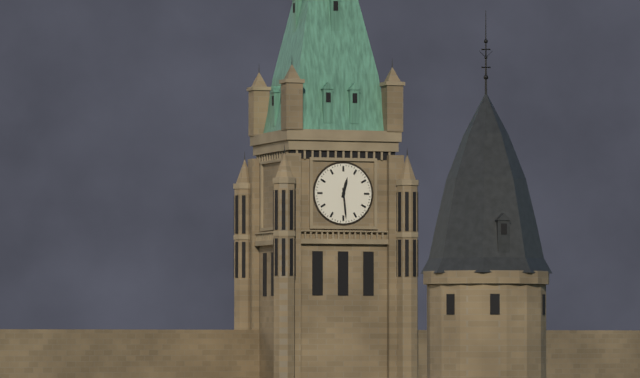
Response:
h=12 m=29
